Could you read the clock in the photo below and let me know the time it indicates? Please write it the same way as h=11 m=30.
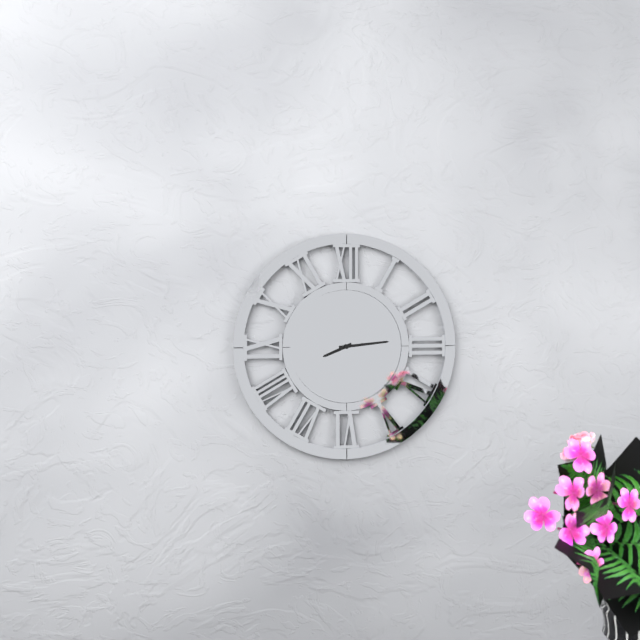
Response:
h=8 m=14
